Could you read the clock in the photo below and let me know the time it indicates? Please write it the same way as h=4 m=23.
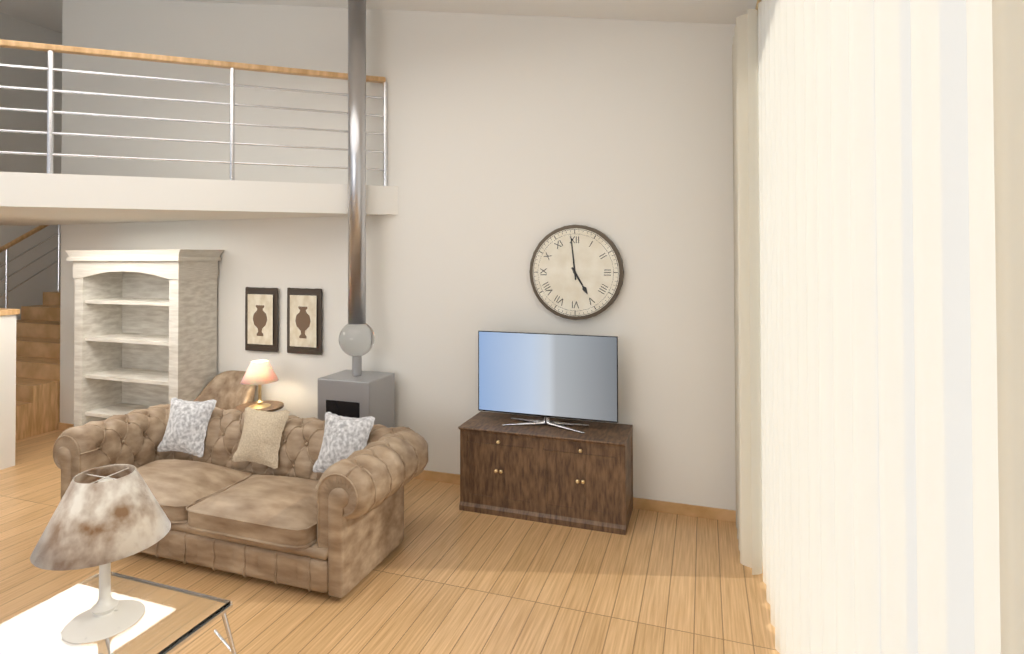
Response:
h=4 m=59
